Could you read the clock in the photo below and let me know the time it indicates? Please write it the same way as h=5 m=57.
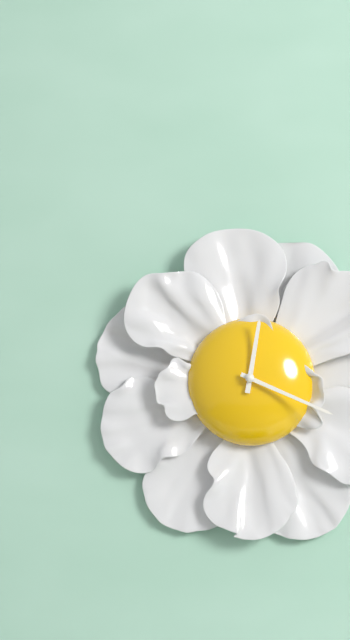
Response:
h=12 m=19
